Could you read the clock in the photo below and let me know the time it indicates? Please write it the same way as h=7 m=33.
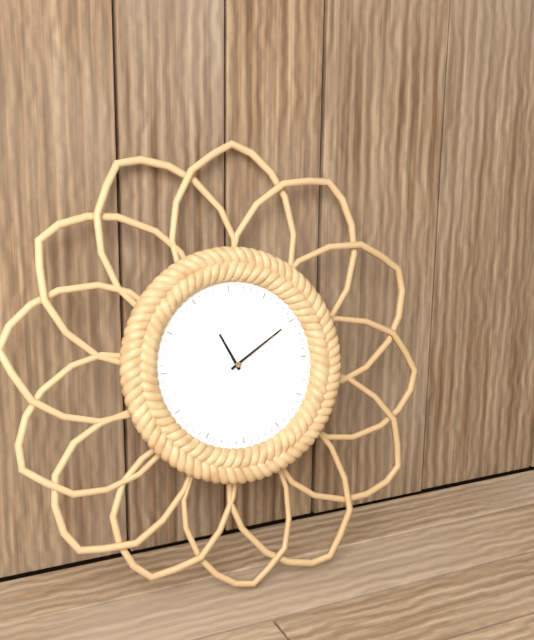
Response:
h=11 m=10
